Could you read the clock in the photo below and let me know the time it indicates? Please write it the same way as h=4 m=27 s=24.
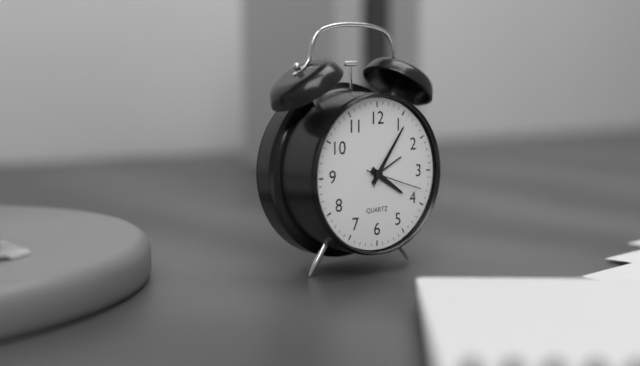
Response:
h=4 m=6 s=18
